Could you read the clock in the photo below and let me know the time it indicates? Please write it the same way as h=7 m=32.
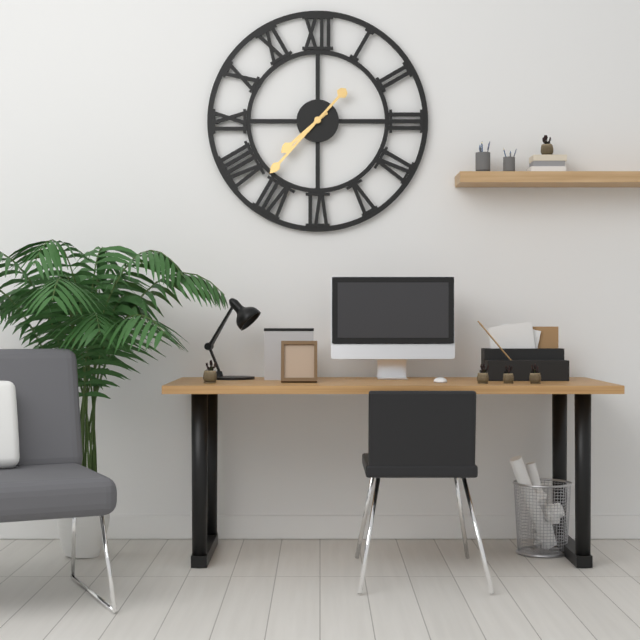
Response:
h=7 m=37
